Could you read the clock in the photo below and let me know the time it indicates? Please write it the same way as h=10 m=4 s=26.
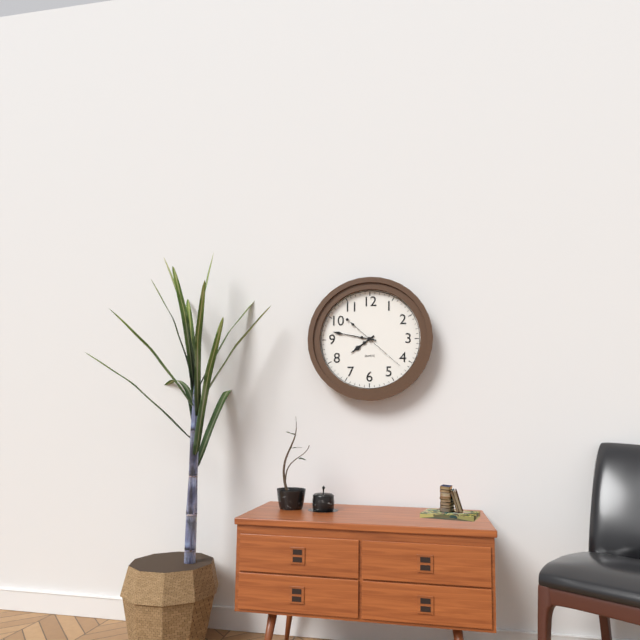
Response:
h=7 m=47 s=22
